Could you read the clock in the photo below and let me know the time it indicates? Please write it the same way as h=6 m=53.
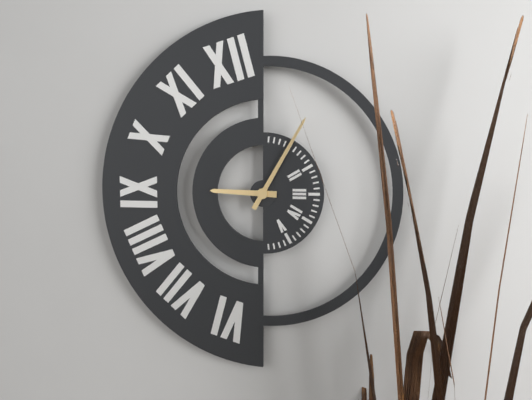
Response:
h=9 m=5
